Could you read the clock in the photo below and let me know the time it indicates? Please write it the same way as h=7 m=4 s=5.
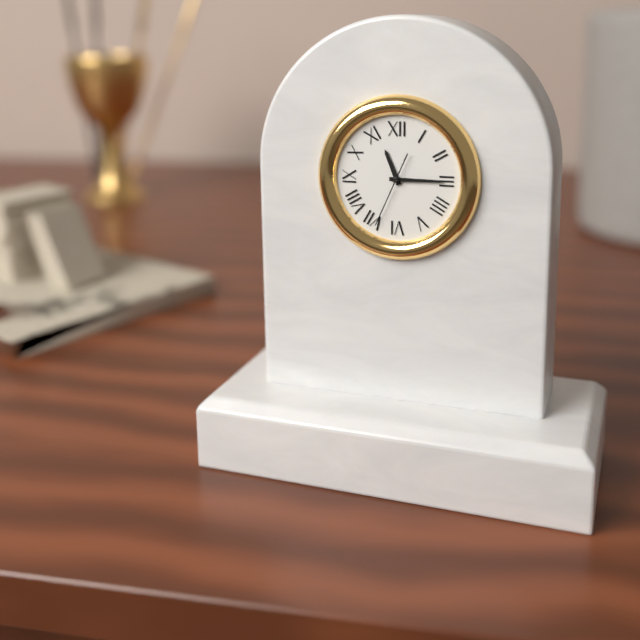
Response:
h=11 m=15 s=34
